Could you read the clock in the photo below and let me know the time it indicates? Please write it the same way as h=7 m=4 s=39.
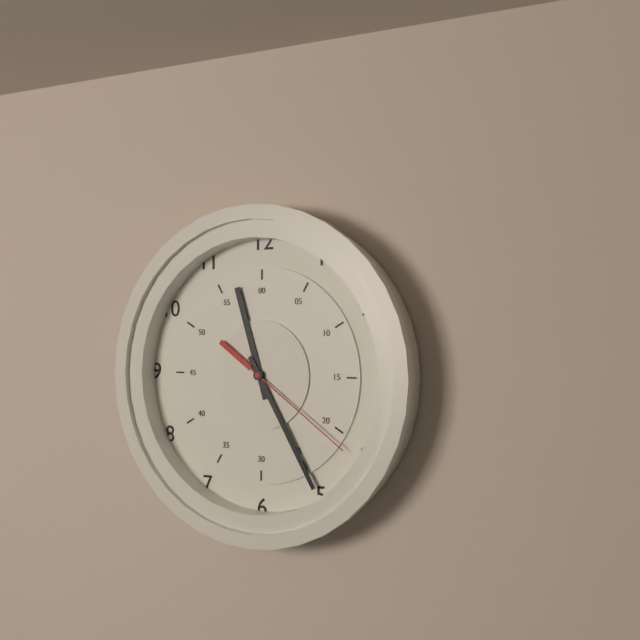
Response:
h=11 m=25 s=21
